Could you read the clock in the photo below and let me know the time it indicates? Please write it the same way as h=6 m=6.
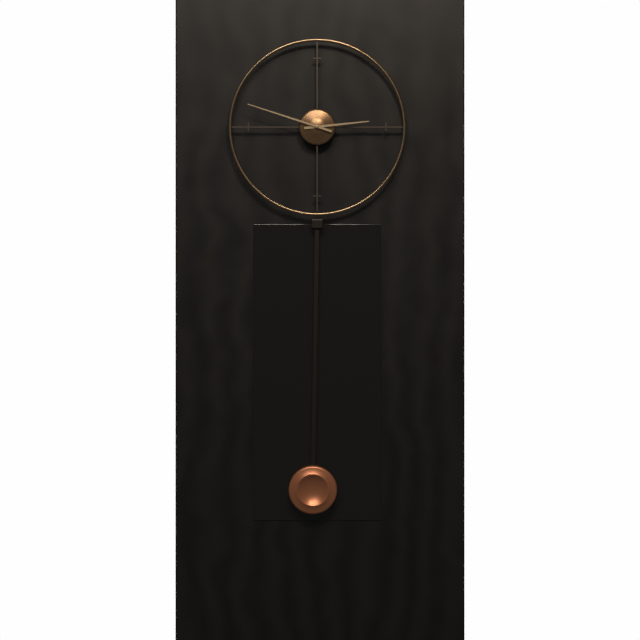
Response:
h=2 m=48
